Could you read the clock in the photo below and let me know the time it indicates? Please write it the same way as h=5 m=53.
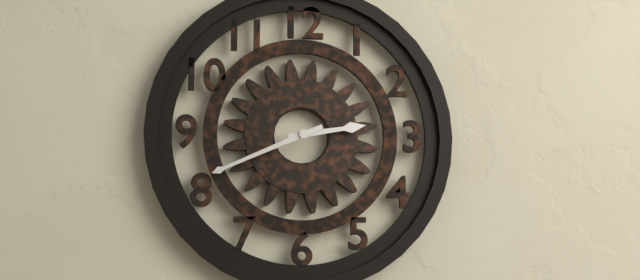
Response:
h=2 m=41
